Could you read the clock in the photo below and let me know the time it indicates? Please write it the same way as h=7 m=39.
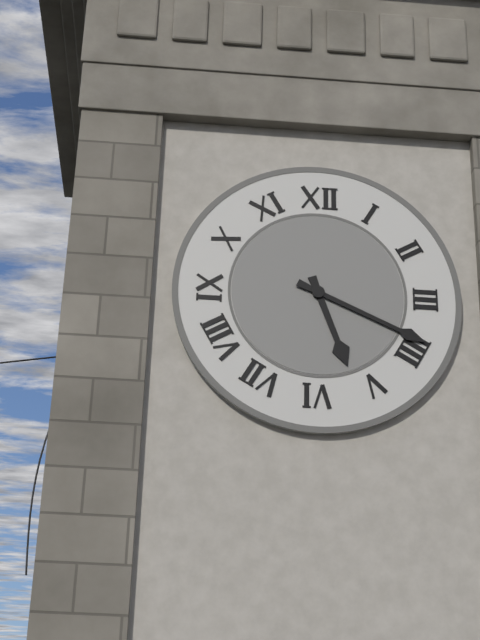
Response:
h=5 m=19
